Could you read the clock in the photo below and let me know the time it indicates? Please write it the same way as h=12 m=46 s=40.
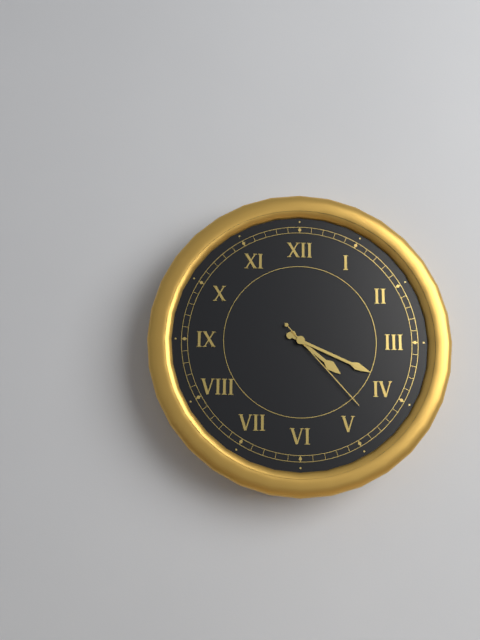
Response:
h=4 m=19 s=23
